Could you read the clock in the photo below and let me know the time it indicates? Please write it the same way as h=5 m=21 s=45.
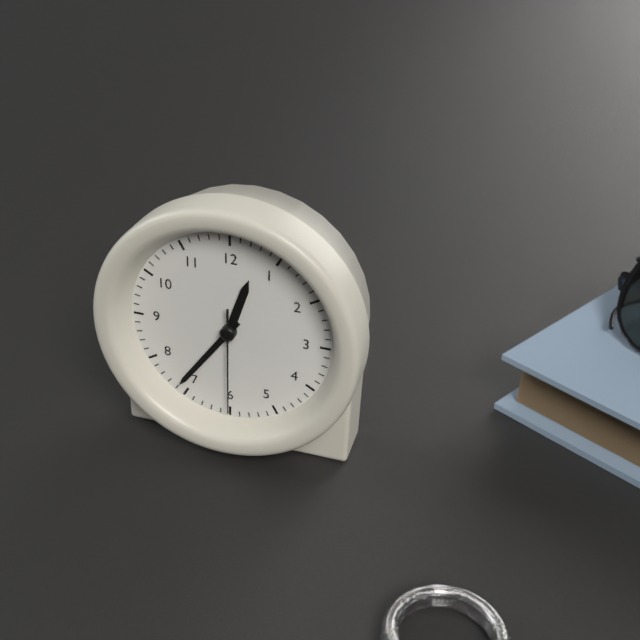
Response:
h=12 m=36 s=30
